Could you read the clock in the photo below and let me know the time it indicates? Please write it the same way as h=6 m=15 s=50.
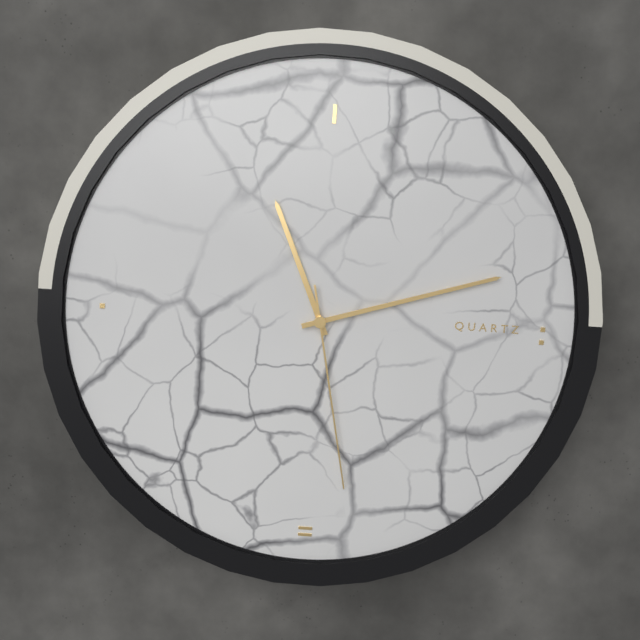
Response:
h=11 m=12 s=28
